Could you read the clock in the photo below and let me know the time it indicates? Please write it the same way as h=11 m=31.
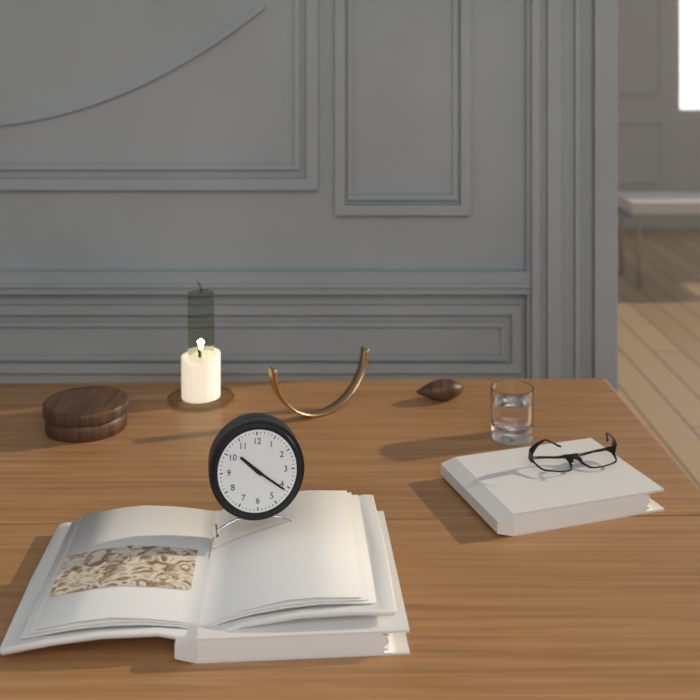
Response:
h=10 m=21
